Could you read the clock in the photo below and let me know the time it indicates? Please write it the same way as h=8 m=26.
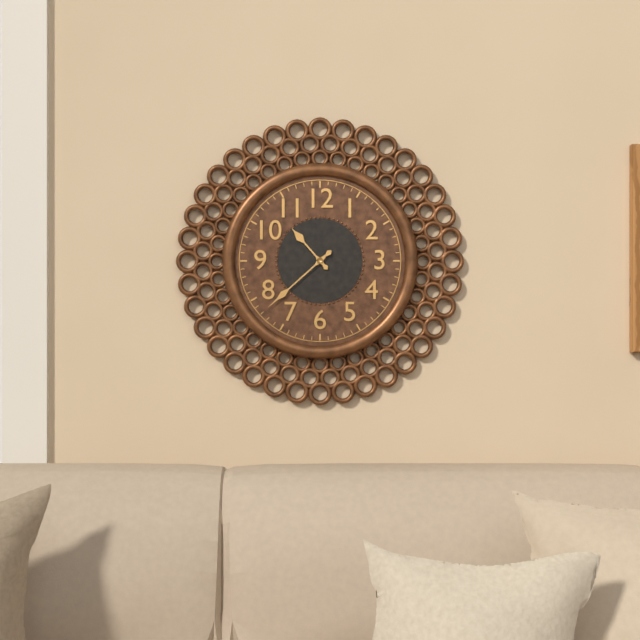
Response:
h=10 m=38
